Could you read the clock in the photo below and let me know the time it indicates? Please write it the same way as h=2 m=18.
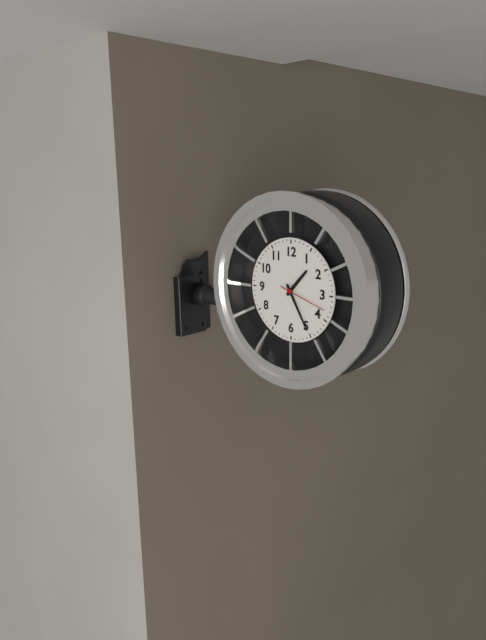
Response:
h=1 m=25
